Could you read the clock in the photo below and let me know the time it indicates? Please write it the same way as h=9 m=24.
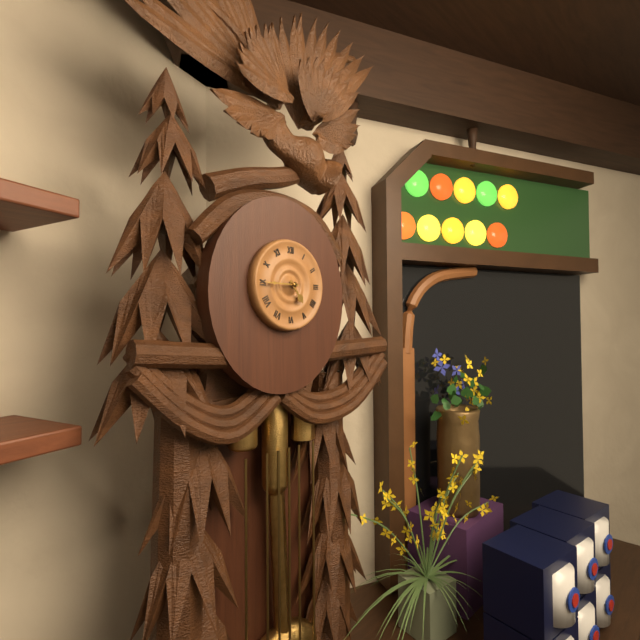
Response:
h=4 m=45
